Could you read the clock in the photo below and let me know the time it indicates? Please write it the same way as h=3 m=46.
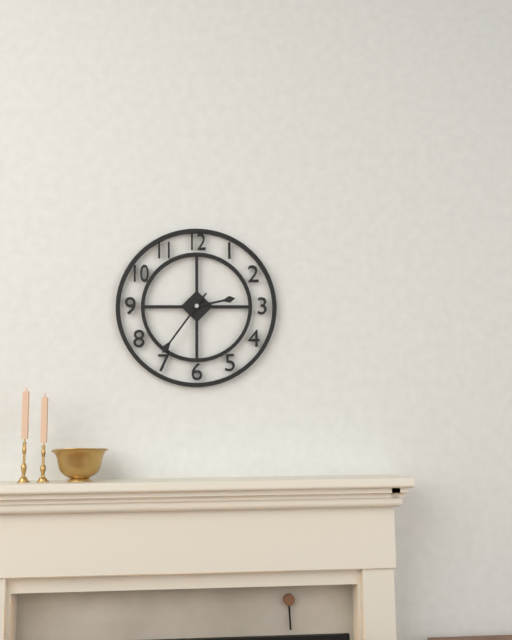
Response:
h=2 m=36
